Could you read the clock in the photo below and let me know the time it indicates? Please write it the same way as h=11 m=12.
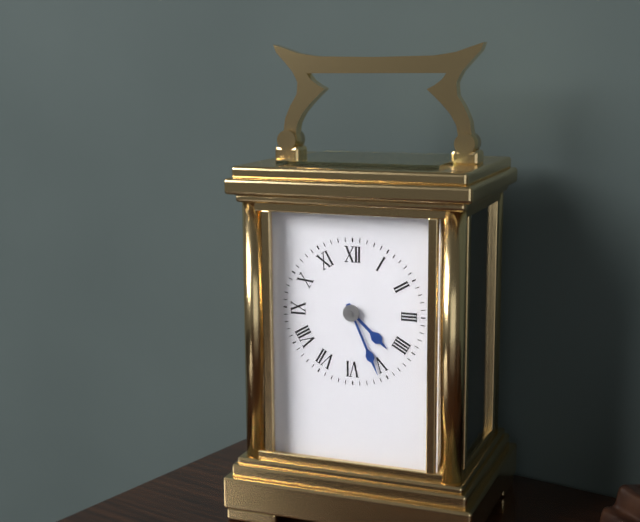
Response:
h=4 m=26
